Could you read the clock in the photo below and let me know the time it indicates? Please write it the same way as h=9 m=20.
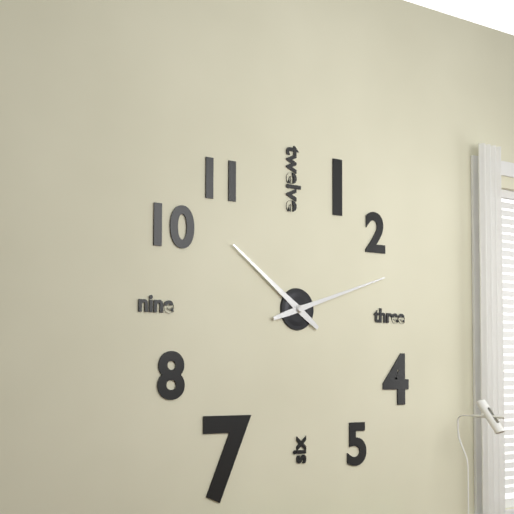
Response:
h=10 m=12
